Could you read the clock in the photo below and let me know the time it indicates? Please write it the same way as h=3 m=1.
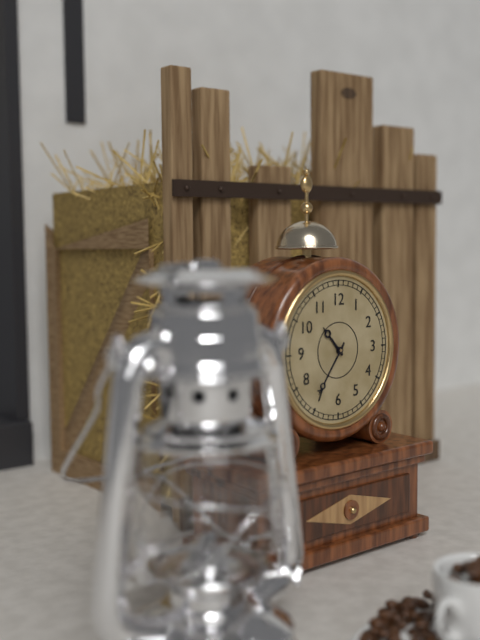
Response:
h=10 m=36
